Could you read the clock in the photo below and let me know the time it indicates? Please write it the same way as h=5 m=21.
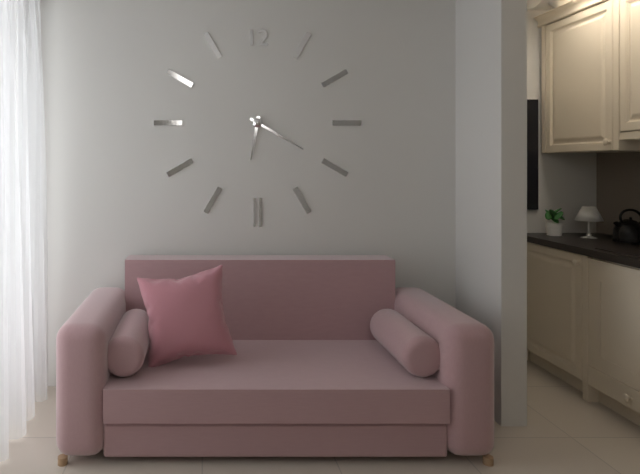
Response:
h=6 m=20
